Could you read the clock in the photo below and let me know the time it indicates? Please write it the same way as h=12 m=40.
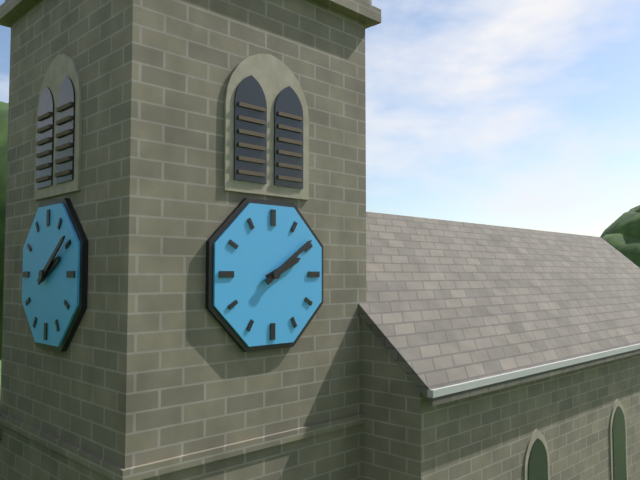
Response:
h=2 m=9
